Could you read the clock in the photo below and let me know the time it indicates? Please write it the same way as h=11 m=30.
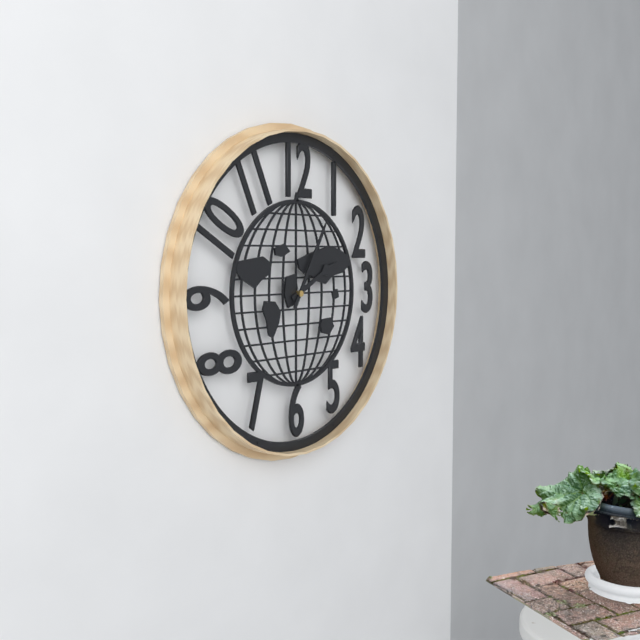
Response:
h=2 m=5
